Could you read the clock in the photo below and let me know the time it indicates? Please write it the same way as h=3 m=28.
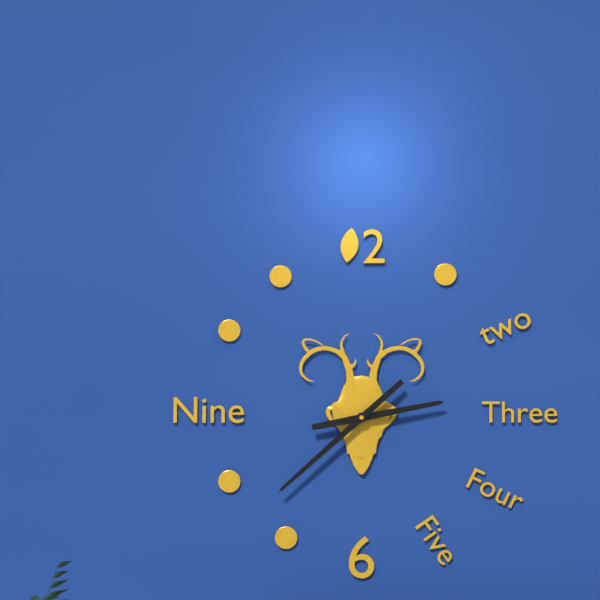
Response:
h=2 m=38
